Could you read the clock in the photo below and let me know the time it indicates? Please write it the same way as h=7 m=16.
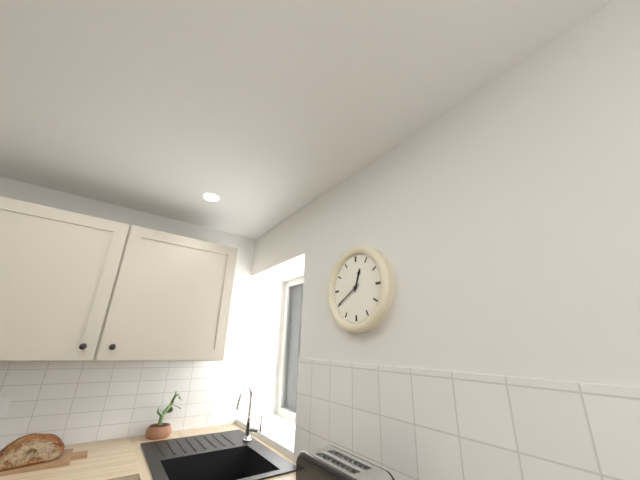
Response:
h=12 m=40
